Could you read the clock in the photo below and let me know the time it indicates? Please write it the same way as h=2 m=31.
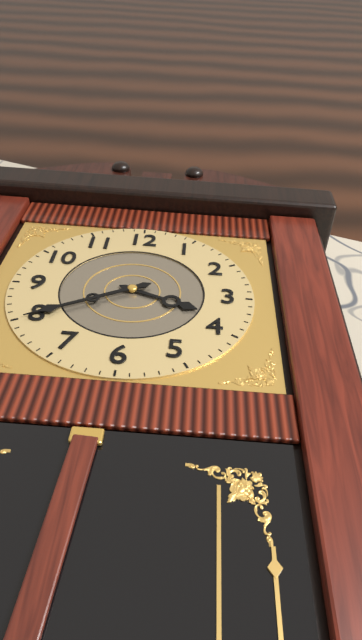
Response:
h=3 m=40
